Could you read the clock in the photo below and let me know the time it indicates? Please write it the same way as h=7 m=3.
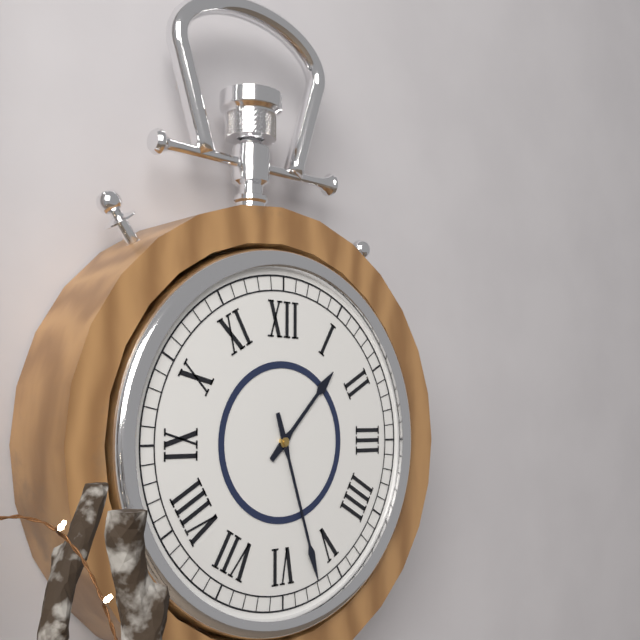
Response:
h=1 m=27
